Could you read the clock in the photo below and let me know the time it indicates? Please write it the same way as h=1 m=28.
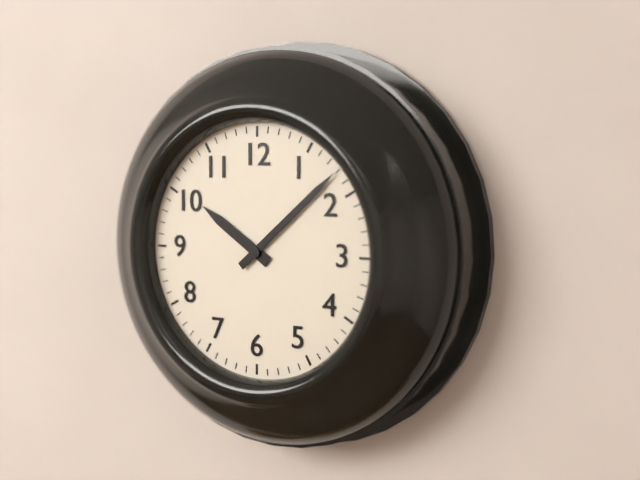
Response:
h=10 m=8
